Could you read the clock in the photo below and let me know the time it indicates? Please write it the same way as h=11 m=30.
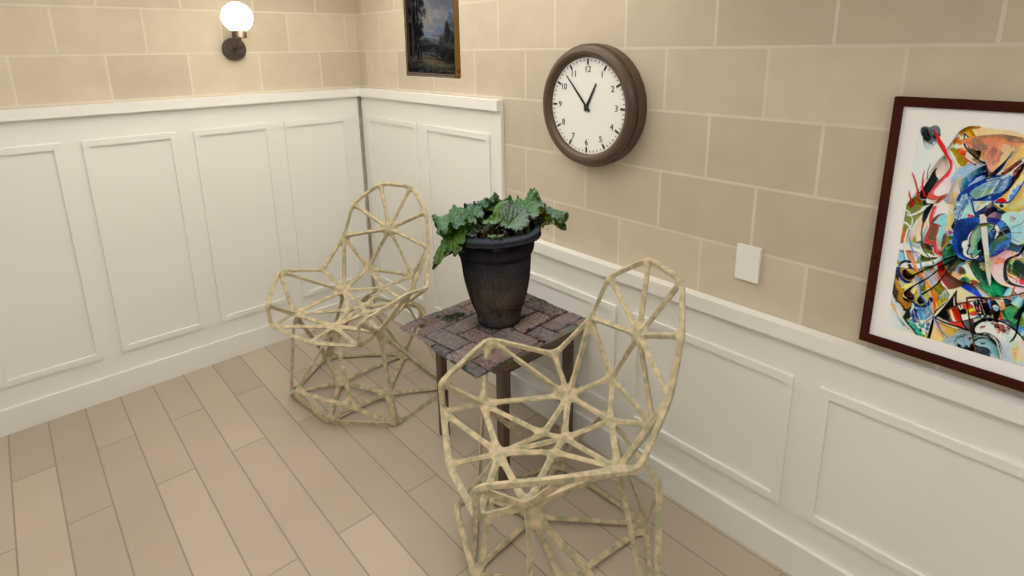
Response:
h=12 m=53
